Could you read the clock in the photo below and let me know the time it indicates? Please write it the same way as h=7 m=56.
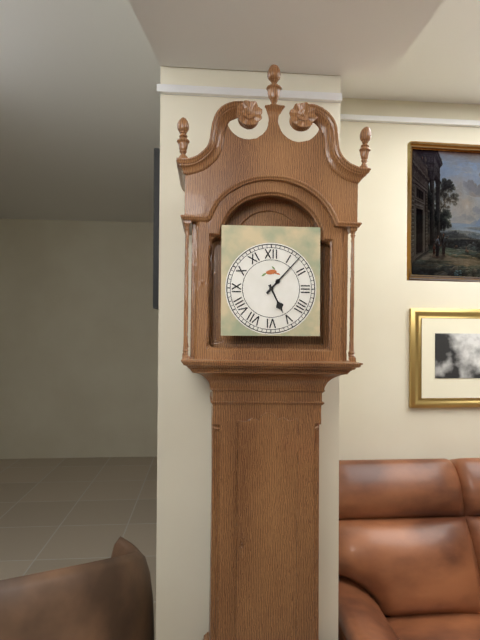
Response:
h=5 m=7
